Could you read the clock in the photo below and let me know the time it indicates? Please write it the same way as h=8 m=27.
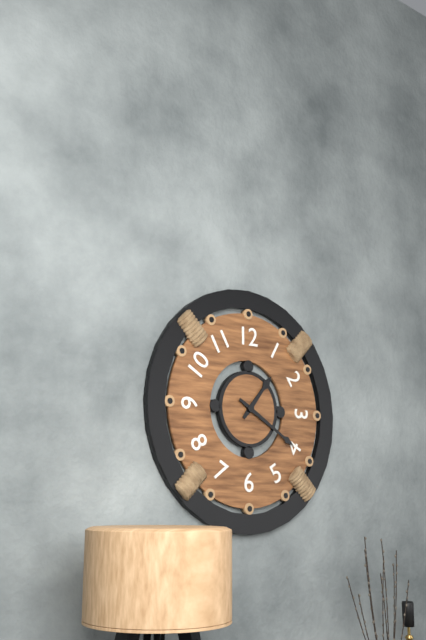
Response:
h=1 m=20
